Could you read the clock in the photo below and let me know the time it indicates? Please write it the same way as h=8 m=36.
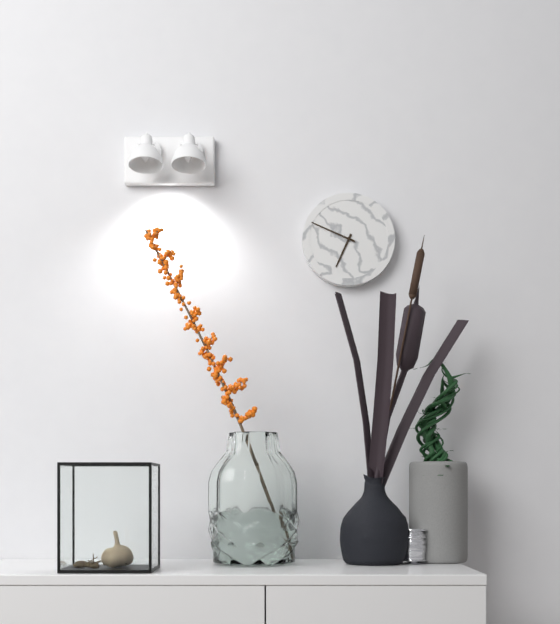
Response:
h=6 m=49
